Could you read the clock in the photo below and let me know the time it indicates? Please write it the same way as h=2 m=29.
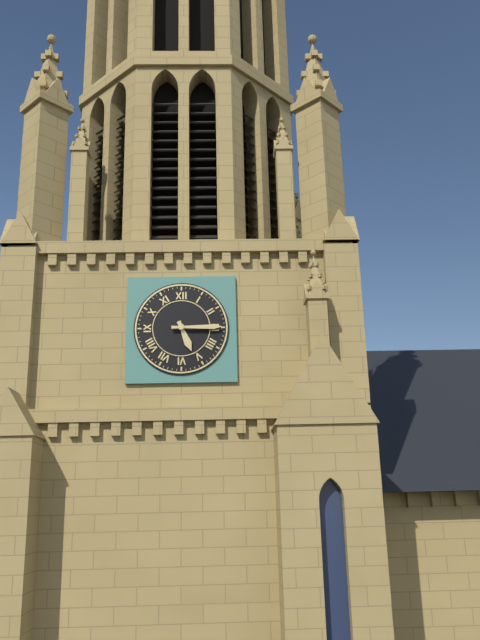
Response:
h=5 m=15
